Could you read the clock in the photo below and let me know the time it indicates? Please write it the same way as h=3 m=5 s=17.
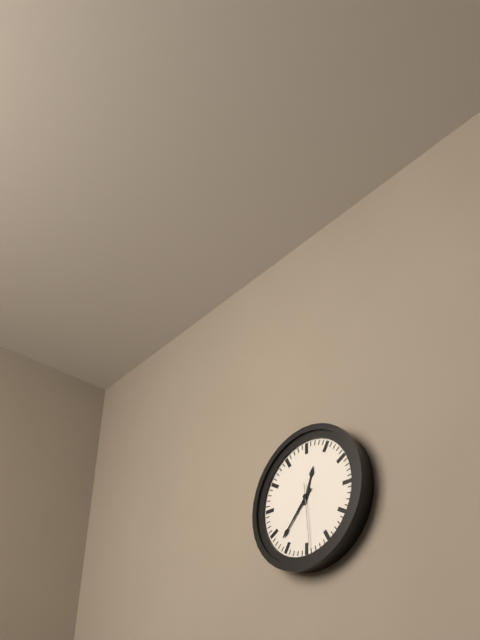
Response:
h=12 m=37 s=29
